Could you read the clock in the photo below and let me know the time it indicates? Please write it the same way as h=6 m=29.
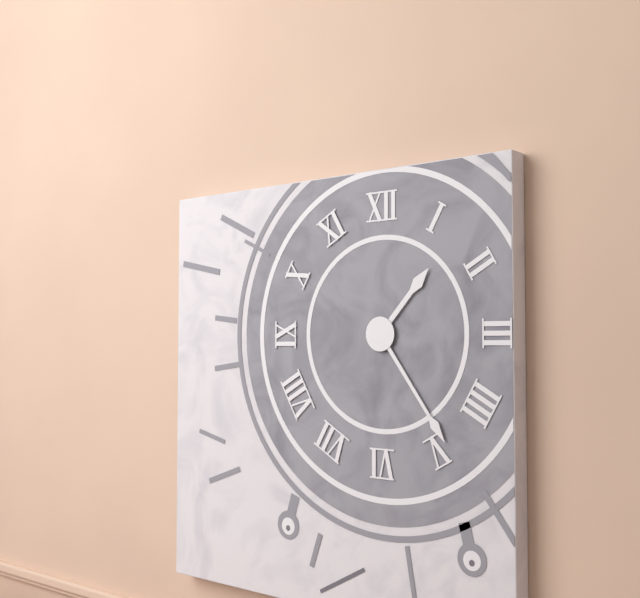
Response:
h=1 m=24
